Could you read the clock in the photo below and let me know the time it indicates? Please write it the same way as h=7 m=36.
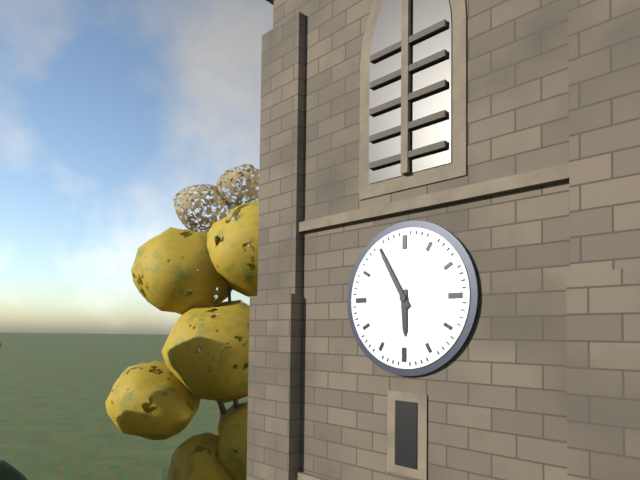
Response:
h=5 m=55
